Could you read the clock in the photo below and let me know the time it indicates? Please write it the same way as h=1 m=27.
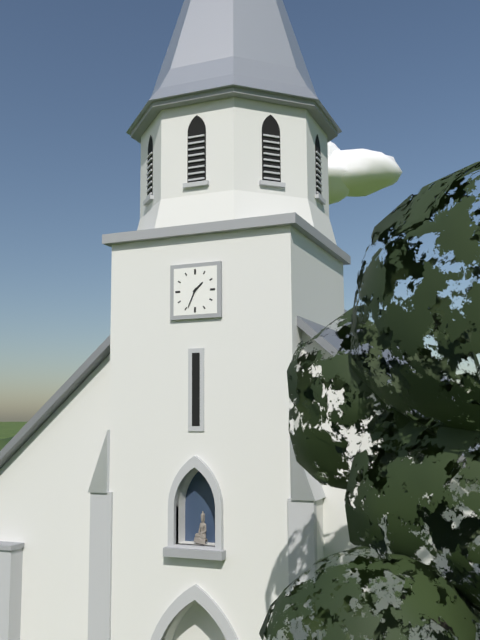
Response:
h=1 m=34
